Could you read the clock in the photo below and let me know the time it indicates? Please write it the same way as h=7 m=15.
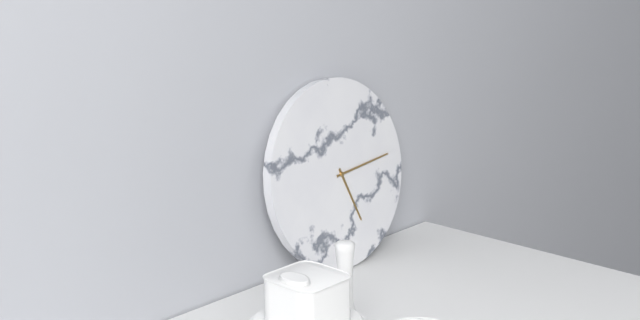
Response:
h=5 m=14
